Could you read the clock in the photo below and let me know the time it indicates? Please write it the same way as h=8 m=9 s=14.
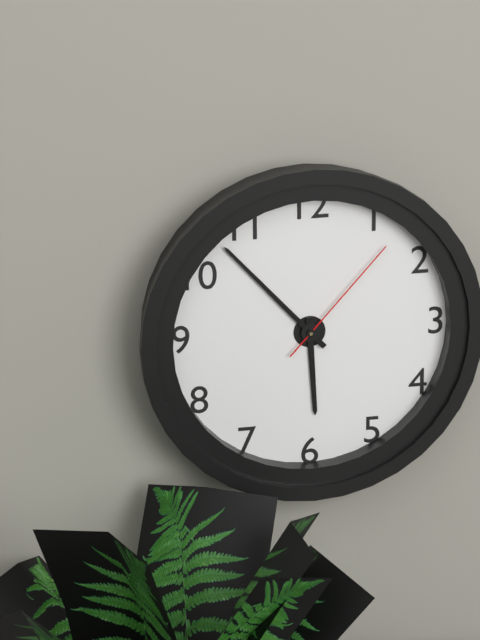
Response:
h=5 m=53 s=7
